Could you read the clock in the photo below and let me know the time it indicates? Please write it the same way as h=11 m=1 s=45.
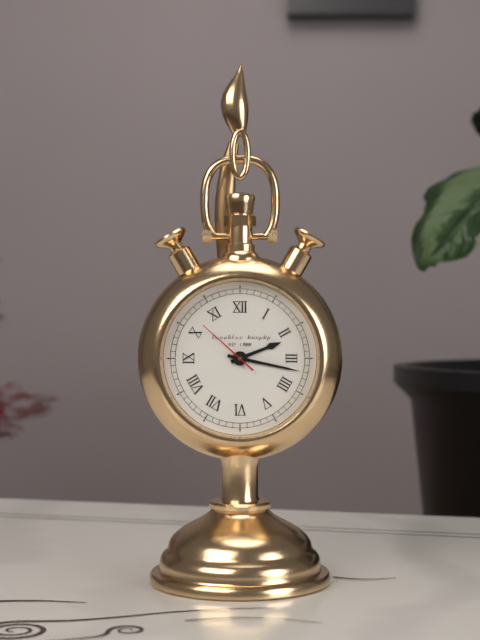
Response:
h=2 m=17 s=52
